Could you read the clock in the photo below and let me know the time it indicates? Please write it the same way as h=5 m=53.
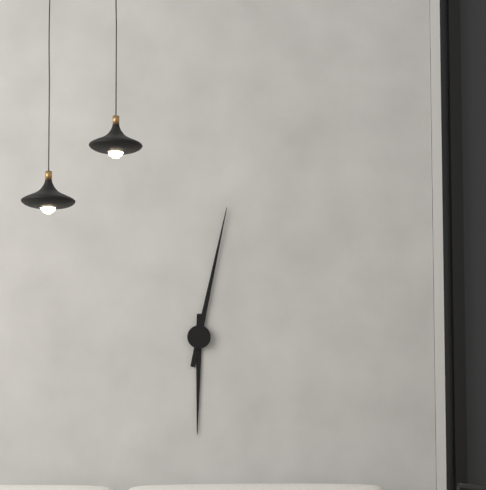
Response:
h=6 m=2
